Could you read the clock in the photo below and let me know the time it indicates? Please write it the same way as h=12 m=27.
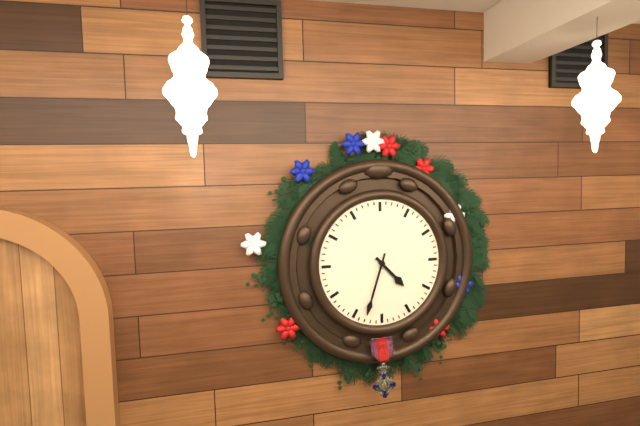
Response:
h=4 m=33
